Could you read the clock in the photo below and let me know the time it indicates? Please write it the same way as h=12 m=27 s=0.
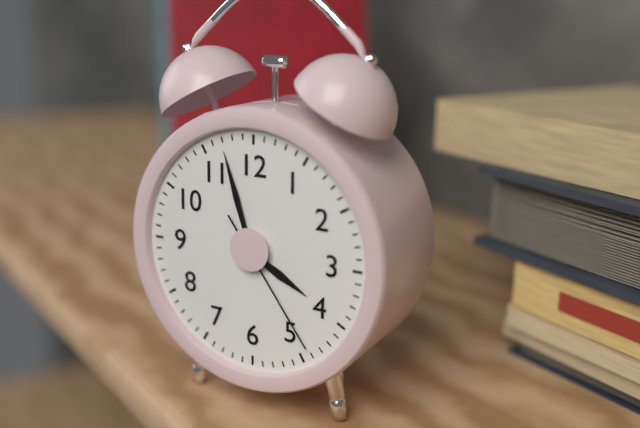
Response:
h=3 m=57 s=24
